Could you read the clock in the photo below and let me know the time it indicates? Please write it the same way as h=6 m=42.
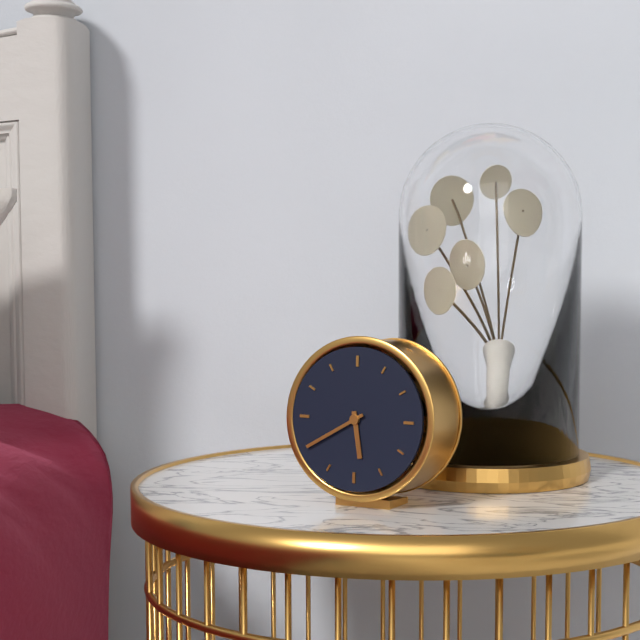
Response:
h=5 m=40
